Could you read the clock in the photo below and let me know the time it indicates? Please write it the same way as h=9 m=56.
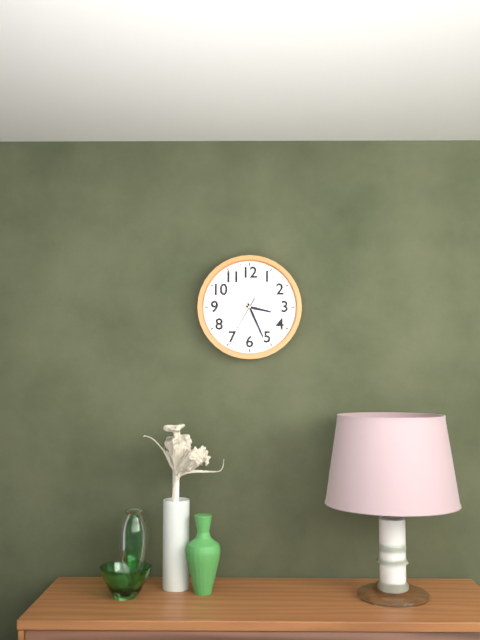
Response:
h=3 m=26
